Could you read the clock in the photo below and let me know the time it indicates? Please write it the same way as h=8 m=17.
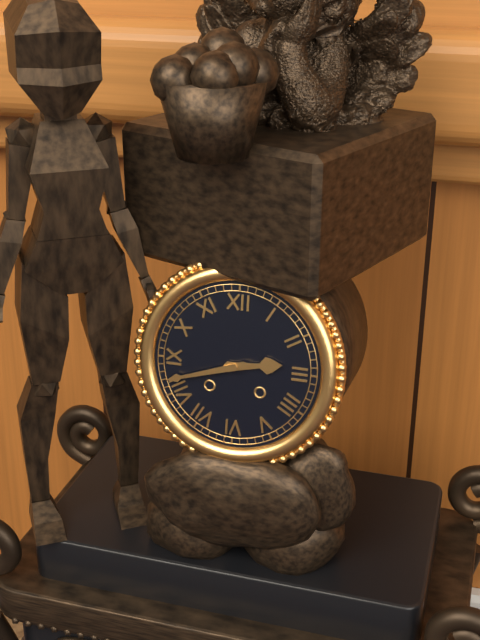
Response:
h=2 m=42
